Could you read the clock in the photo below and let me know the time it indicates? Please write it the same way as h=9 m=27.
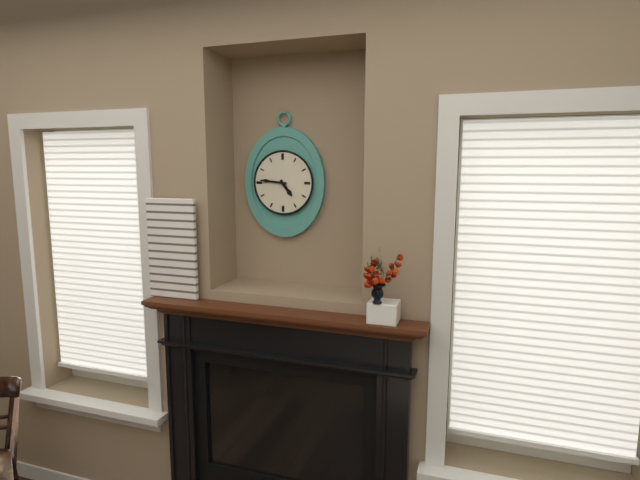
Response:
h=4 m=46
